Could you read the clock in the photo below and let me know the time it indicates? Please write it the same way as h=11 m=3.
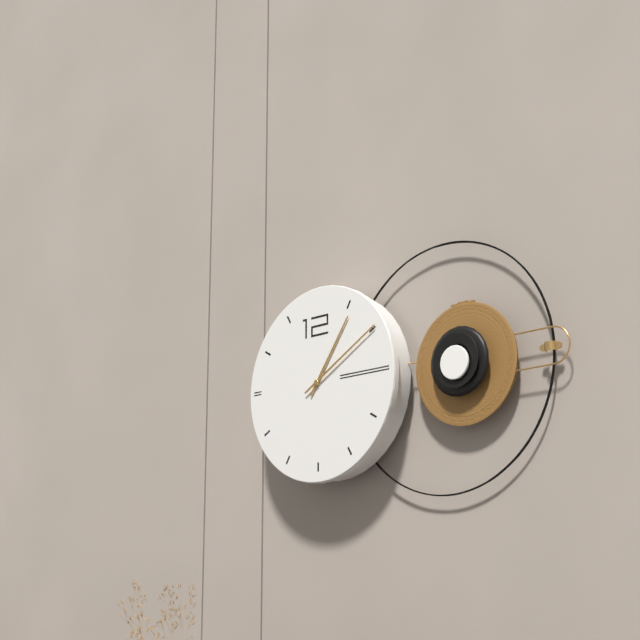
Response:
h=1 m=10
